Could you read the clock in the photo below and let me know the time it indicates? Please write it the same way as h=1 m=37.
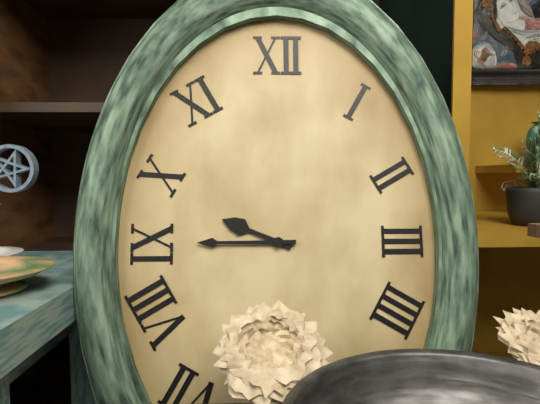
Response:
h=9 m=45
